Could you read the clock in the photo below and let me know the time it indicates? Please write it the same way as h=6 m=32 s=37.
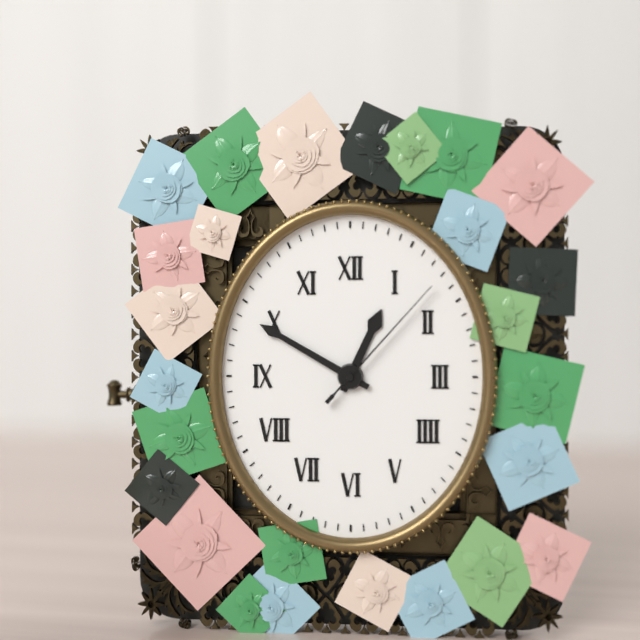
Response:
h=12 m=50 s=7
